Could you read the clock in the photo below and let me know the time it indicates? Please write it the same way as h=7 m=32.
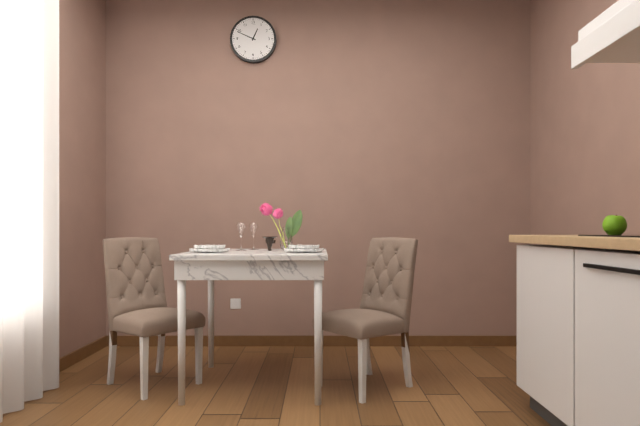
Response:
h=12 m=49
